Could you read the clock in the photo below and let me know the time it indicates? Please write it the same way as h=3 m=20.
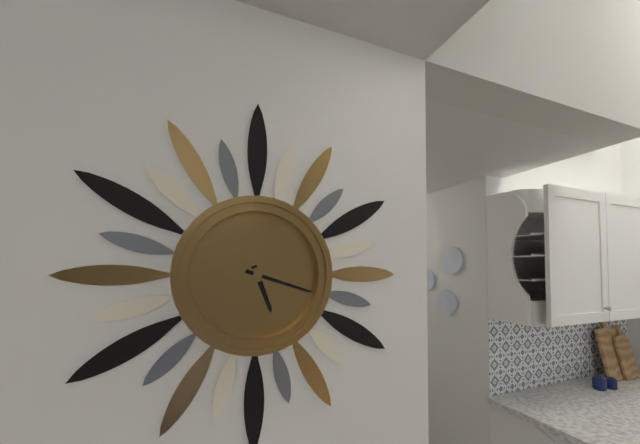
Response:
h=5 m=18
